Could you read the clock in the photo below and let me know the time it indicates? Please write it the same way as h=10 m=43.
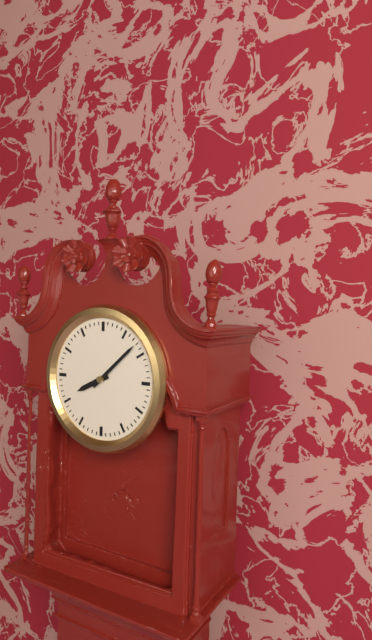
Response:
h=8 m=8
